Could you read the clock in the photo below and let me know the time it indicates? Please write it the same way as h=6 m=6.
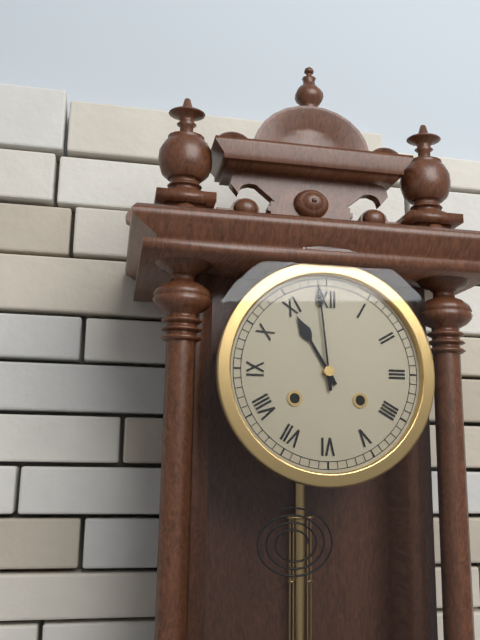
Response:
h=10 m=59
